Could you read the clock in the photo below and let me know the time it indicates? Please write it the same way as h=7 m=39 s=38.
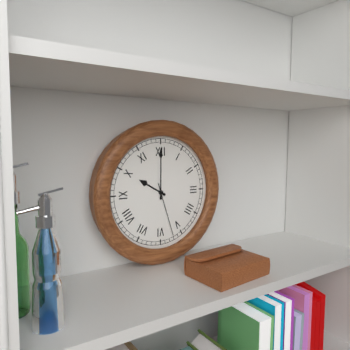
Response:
h=10 m=0 s=27
